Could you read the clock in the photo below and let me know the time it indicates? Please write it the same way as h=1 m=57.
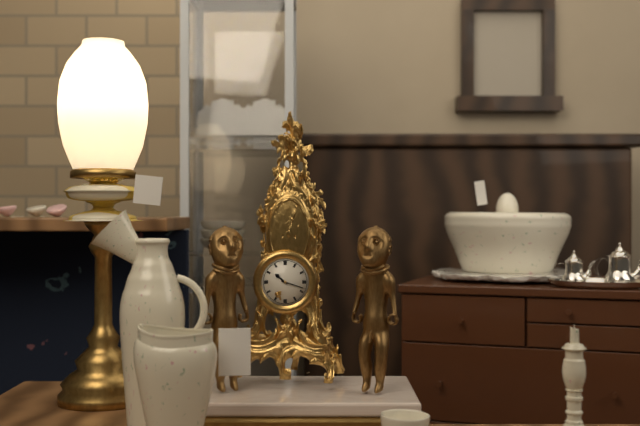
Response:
h=10 m=18
